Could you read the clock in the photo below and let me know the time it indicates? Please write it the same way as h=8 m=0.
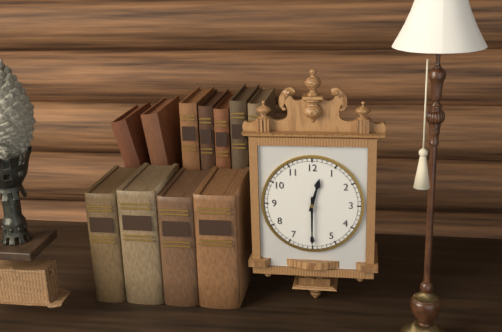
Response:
h=12 m=30
